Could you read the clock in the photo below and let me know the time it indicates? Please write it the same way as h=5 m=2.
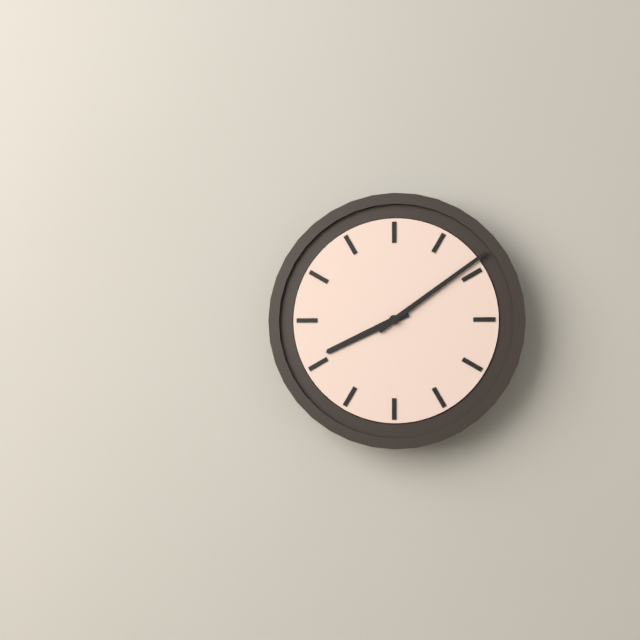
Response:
h=8 m=9
